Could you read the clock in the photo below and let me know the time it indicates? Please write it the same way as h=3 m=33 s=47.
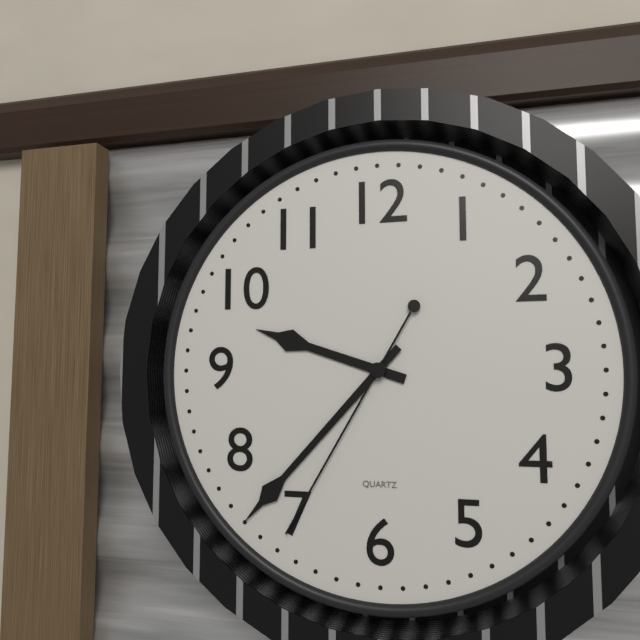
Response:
h=9 m=37 s=35
